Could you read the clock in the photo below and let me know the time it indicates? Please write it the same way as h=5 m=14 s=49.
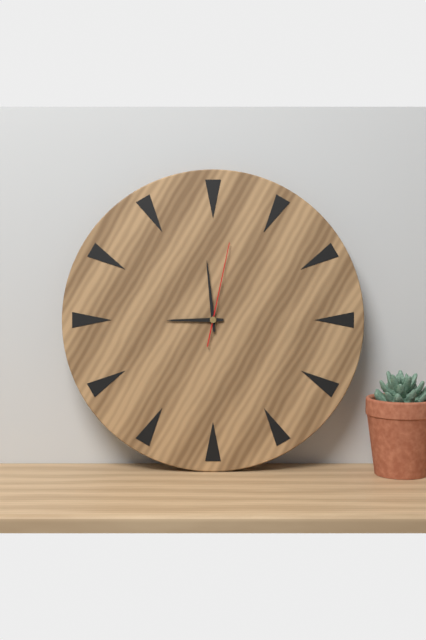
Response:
h=8 m=59 s=2
